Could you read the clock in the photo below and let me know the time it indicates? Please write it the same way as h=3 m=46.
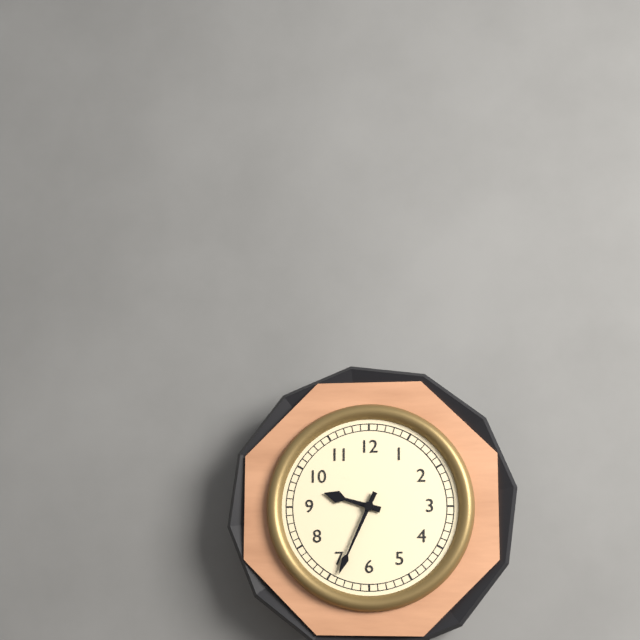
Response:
h=9 m=34
